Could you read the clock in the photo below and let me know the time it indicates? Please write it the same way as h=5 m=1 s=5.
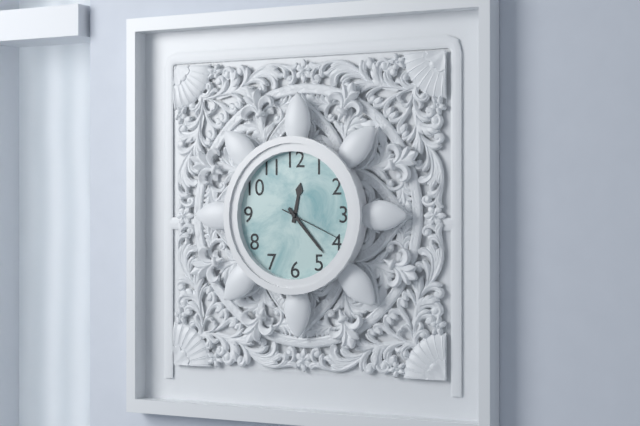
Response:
h=12 m=23 s=19
